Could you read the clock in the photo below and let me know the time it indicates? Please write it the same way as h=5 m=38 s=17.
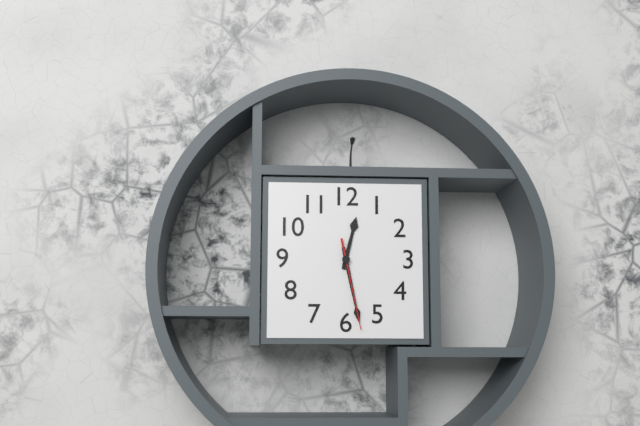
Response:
h=12 m=28 s=28
